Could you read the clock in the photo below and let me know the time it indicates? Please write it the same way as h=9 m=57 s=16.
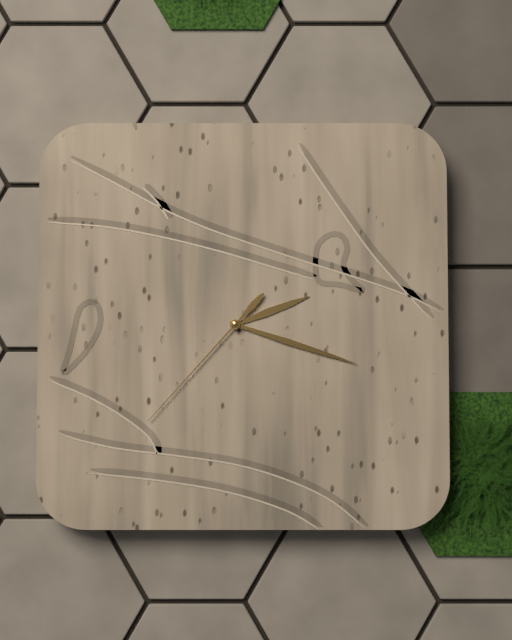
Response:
h=2 m=18 s=37
